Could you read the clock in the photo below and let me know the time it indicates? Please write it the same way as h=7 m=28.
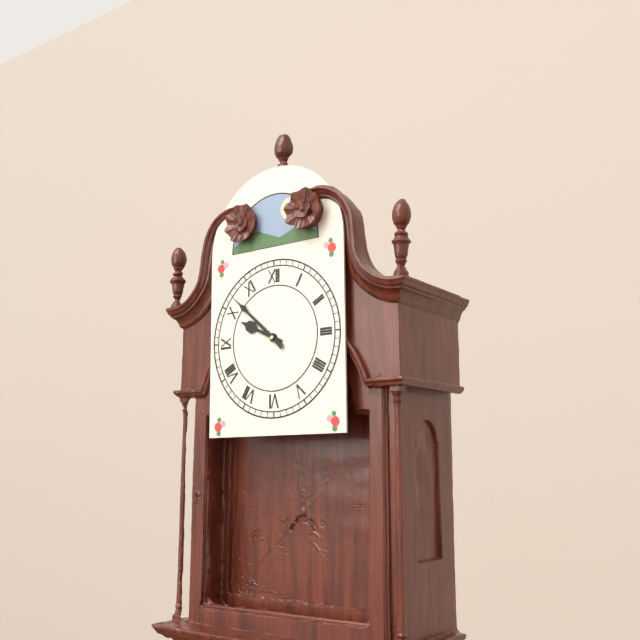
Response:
h=9 m=52
